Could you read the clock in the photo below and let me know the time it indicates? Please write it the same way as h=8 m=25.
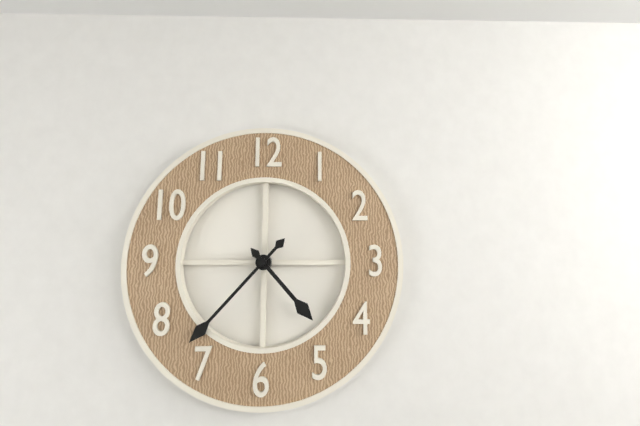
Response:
h=4 m=37
